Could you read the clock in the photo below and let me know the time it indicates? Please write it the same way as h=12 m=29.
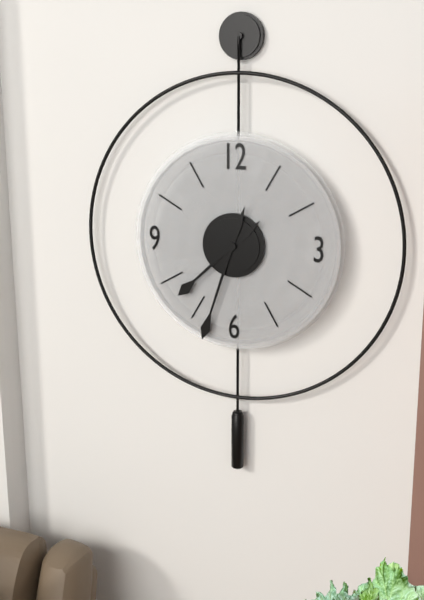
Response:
h=7 m=33
